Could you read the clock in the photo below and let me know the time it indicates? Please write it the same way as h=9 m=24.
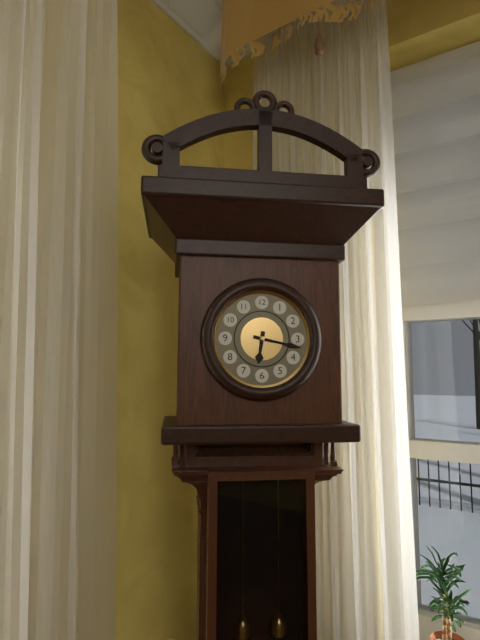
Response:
h=6 m=17
